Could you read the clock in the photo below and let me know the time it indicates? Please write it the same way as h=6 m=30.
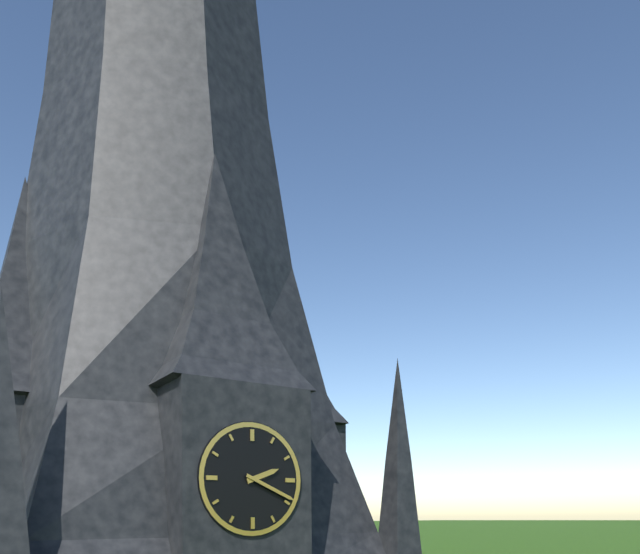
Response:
h=2 m=19
